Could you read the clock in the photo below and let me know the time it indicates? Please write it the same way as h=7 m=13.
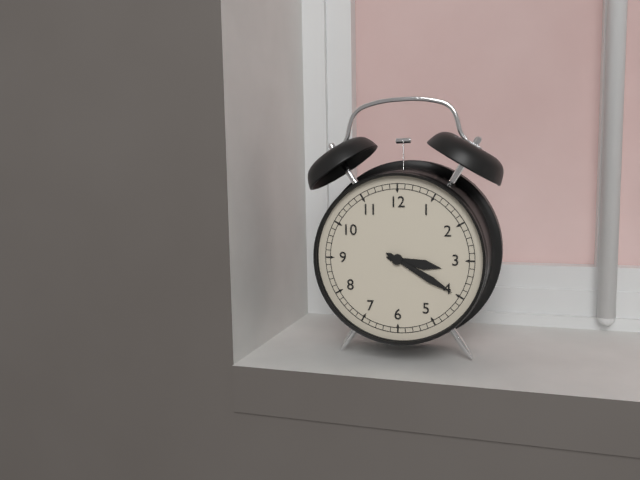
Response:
h=3 m=20
